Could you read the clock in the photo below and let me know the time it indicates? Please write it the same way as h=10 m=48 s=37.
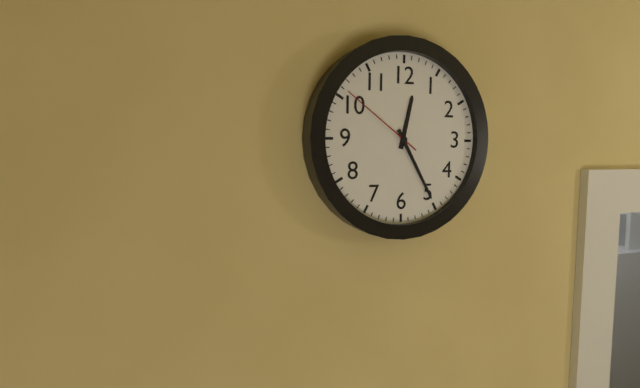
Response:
h=12 m=25 s=51
